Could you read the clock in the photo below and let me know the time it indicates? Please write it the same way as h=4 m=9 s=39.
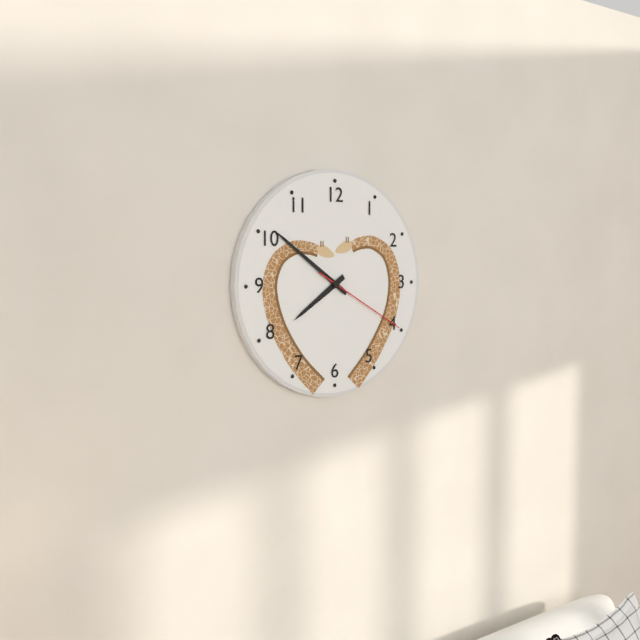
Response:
h=7 m=51 s=20
